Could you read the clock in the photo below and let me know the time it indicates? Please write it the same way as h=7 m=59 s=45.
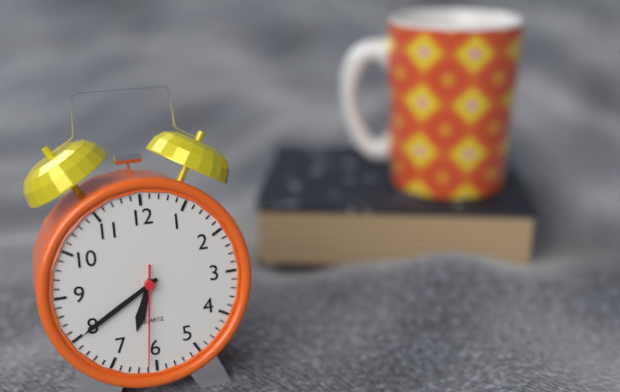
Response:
h=6 m=40 s=31
